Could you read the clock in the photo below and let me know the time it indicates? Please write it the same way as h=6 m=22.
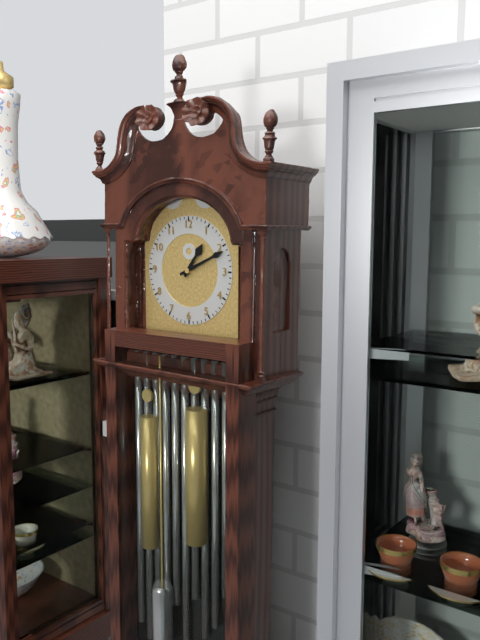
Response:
h=1 m=11
